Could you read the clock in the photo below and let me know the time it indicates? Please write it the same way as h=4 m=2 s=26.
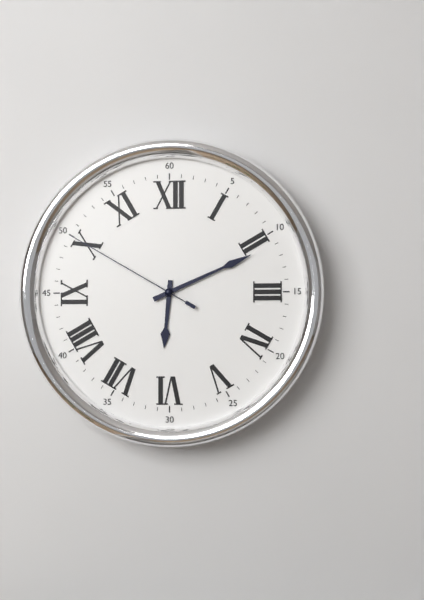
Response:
h=6 m=11 s=50
